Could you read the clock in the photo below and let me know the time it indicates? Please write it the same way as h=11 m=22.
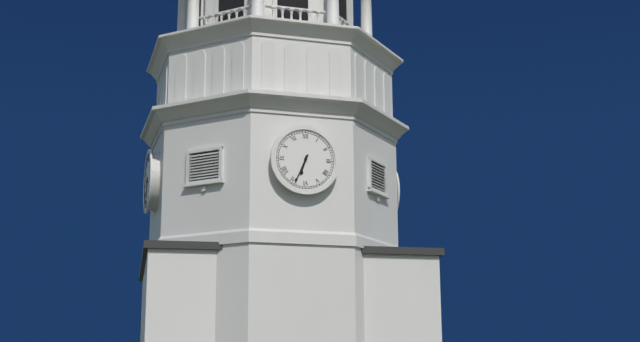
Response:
h=6 m=34
